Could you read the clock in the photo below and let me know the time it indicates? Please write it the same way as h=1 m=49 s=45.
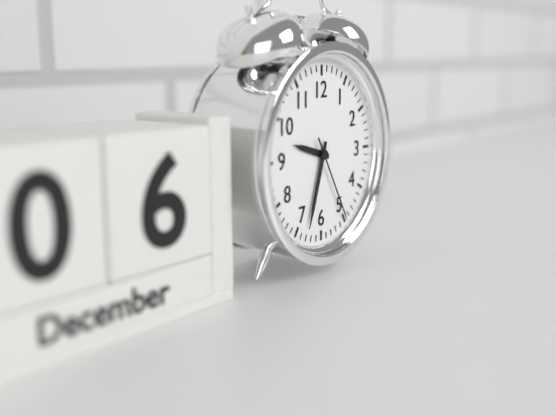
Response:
h=9 m=33 s=25
